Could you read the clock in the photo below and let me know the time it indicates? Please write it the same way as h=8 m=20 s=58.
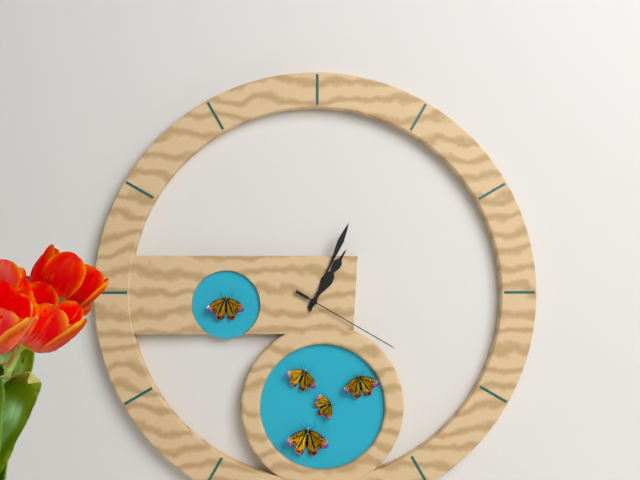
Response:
h=1 m=4 s=20
